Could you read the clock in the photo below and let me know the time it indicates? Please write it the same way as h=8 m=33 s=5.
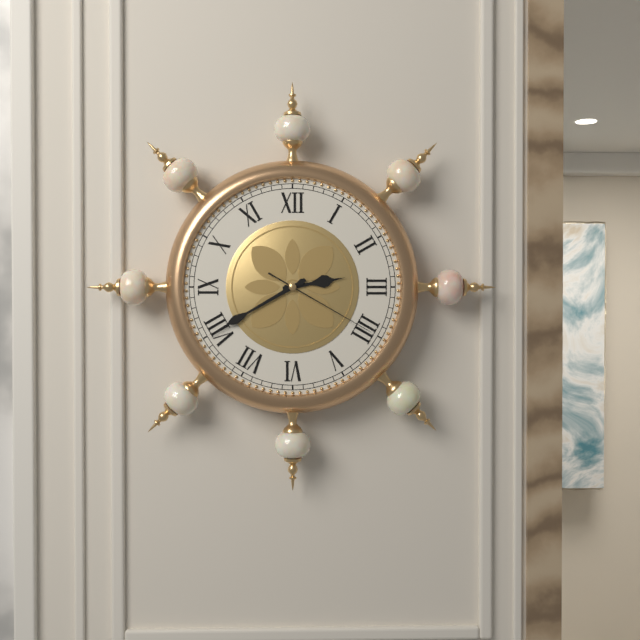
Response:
h=2 m=40 s=20
